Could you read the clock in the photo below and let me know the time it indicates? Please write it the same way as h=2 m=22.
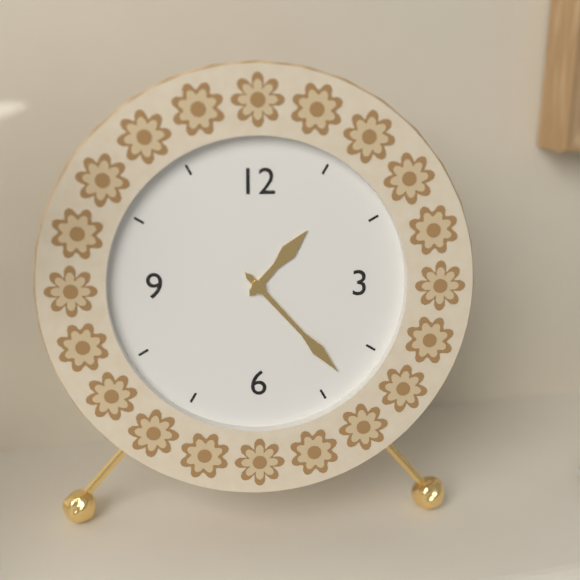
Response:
h=1 m=23
